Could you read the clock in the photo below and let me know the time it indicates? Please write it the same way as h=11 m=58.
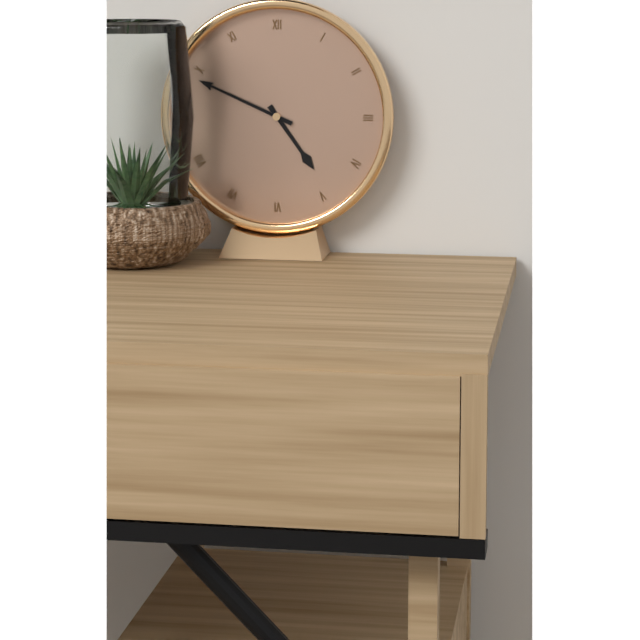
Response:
h=4 m=49
